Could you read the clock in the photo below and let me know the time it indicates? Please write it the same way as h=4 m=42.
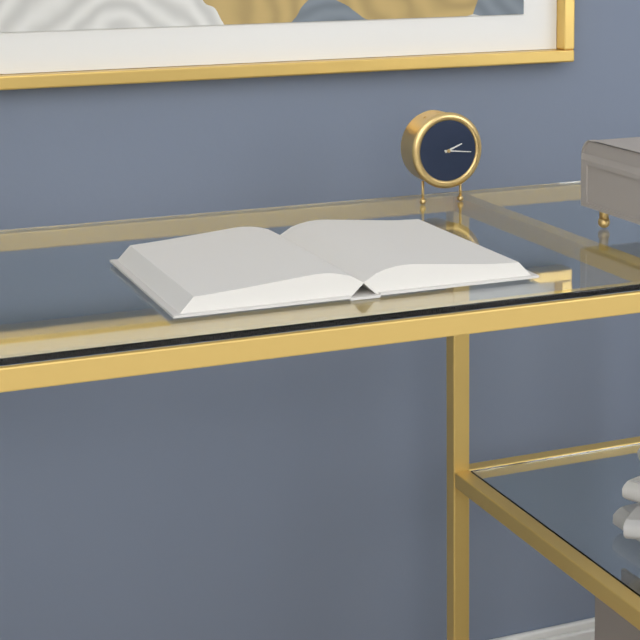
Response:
h=2 m=16
